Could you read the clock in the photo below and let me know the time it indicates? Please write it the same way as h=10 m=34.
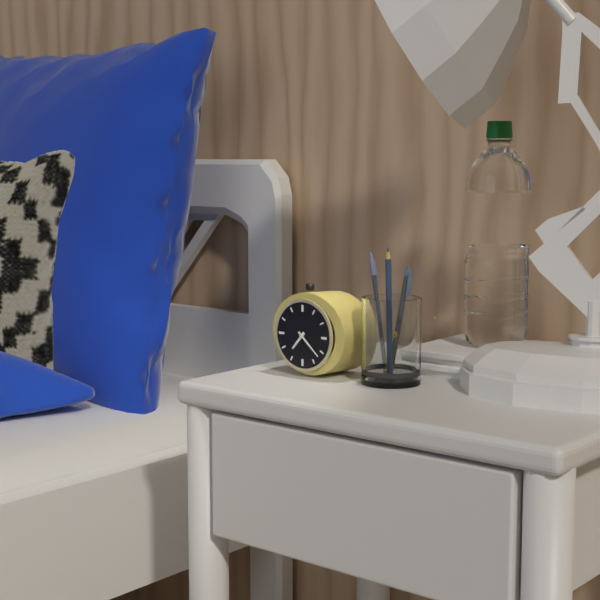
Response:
h=7 m=22
